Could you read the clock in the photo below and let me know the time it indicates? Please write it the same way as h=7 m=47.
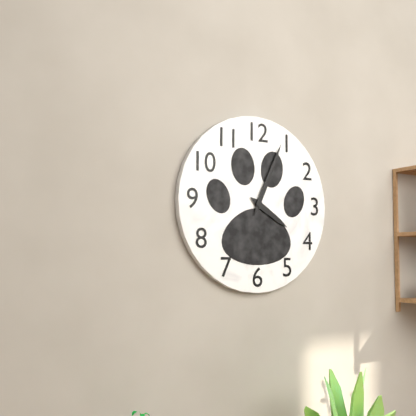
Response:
h=4 m=4
